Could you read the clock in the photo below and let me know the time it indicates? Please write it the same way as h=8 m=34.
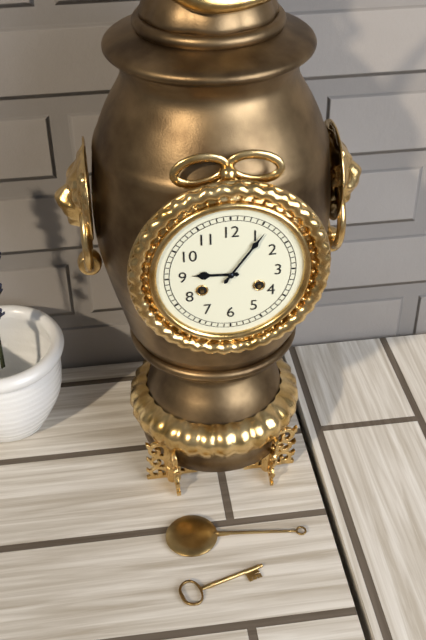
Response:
h=9 m=6
